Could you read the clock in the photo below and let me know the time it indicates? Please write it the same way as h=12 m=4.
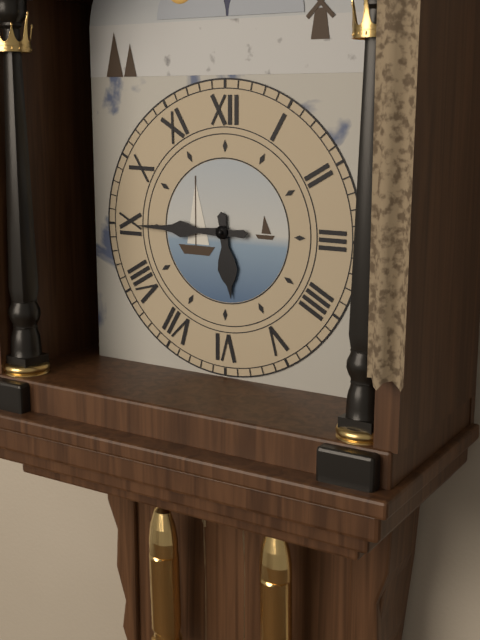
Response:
h=5 m=45
